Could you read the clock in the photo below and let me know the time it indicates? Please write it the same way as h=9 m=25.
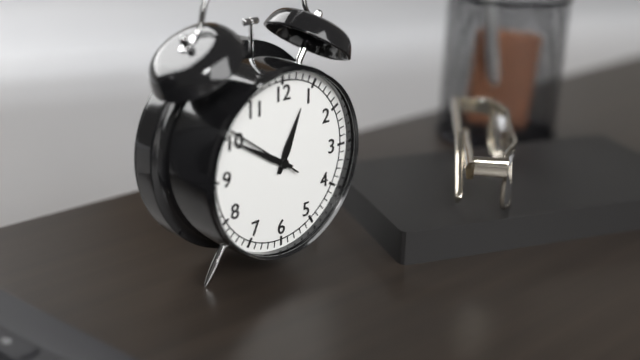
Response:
h=12 m=50
